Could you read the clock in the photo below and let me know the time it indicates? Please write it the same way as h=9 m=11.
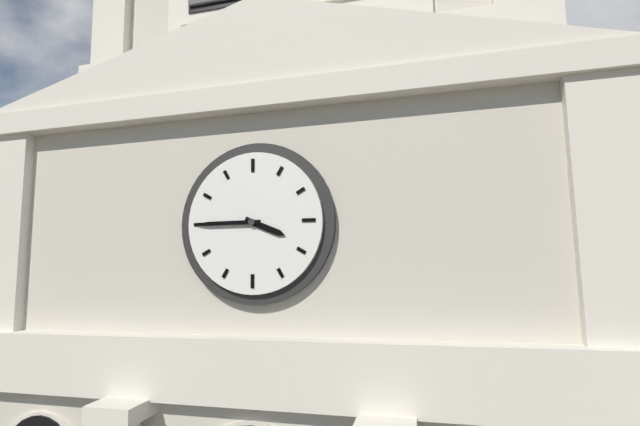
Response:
h=3 m=45
